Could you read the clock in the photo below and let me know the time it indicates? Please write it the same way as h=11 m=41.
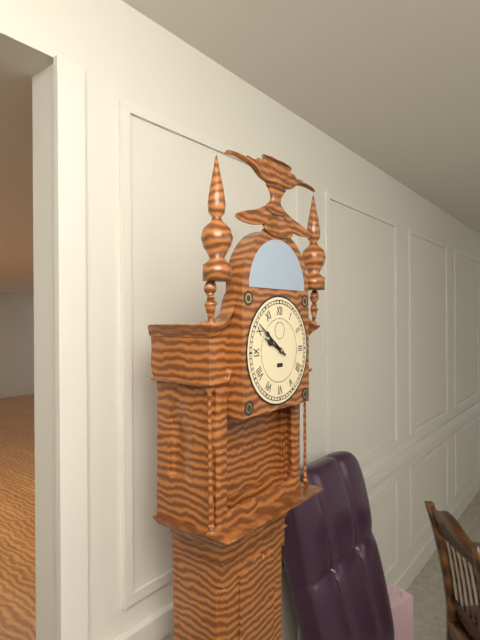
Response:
h=9 m=51
